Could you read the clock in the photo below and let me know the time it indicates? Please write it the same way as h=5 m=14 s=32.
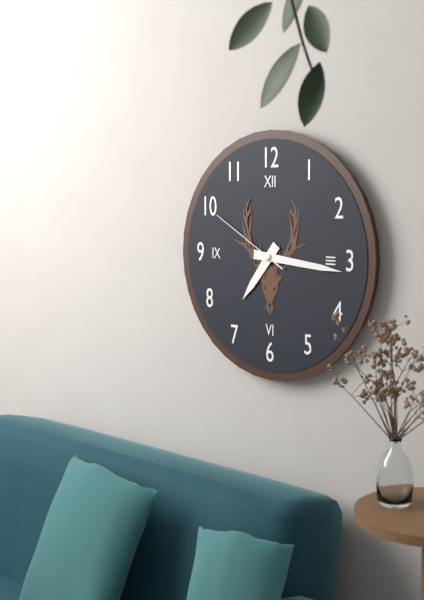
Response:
h=7 m=16 s=50
